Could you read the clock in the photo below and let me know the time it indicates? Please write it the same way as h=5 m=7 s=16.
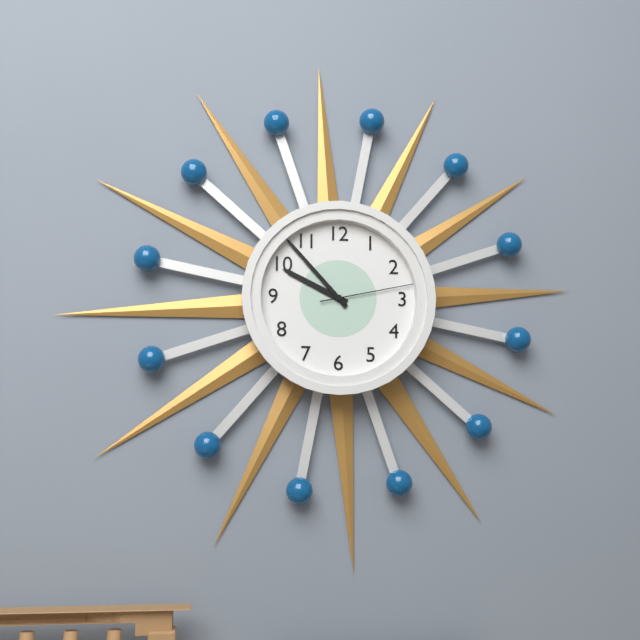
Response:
h=9 m=53 s=13
